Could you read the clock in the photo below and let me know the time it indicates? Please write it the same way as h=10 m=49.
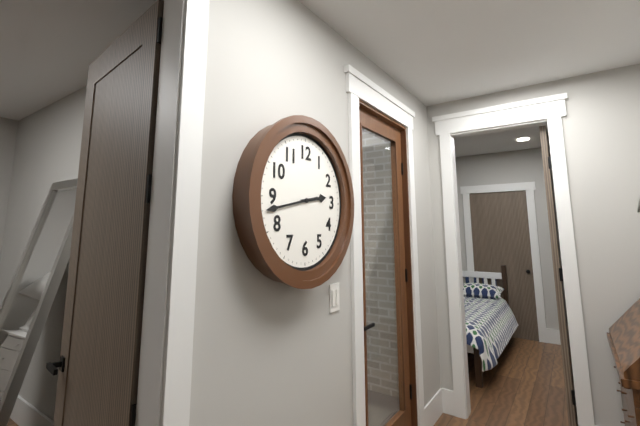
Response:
h=2 m=43
